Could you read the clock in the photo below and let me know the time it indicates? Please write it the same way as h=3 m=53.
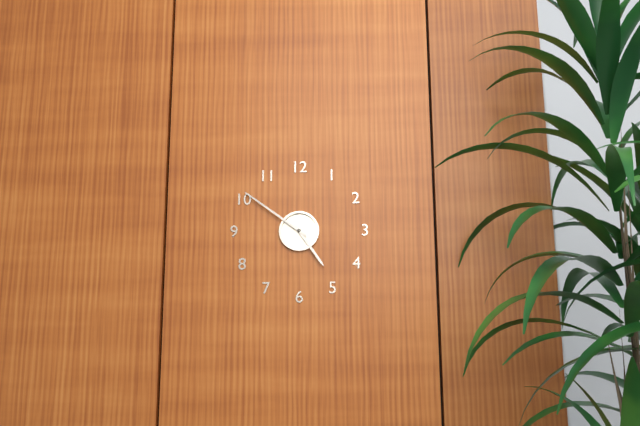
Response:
h=4 m=51
